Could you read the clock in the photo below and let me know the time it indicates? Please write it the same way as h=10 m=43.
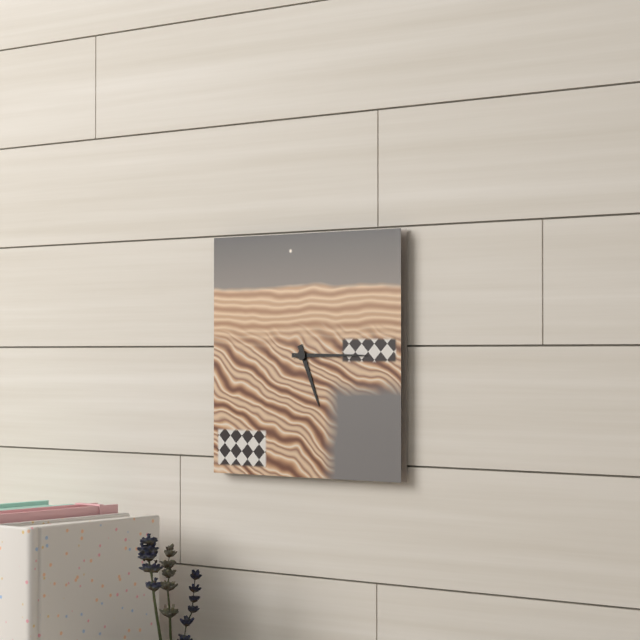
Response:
h=5 m=15
